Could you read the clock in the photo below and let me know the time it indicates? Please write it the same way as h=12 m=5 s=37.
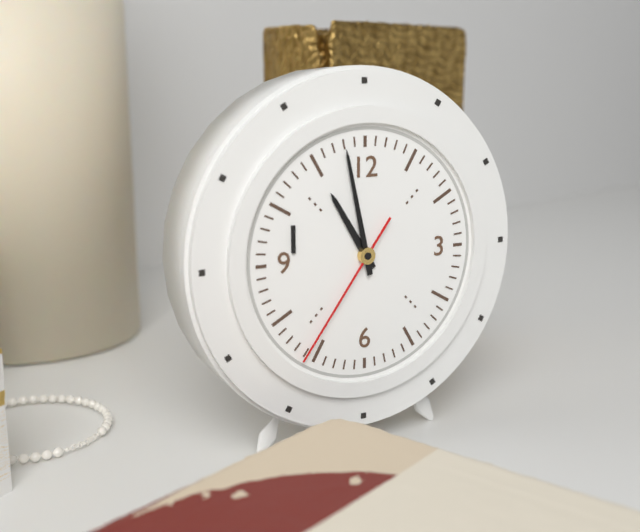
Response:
h=10 m=58 s=36
